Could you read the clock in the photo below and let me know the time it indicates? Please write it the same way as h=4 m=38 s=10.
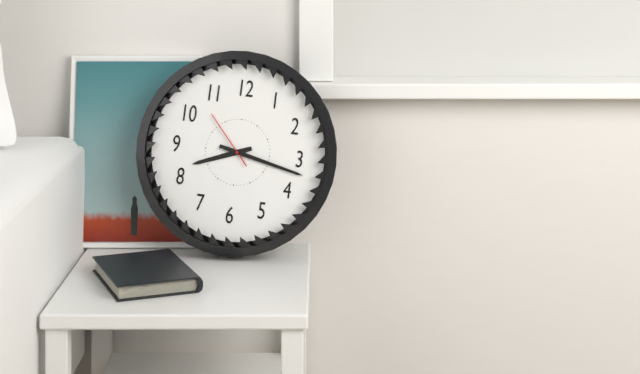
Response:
h=8 m=17 s=53
